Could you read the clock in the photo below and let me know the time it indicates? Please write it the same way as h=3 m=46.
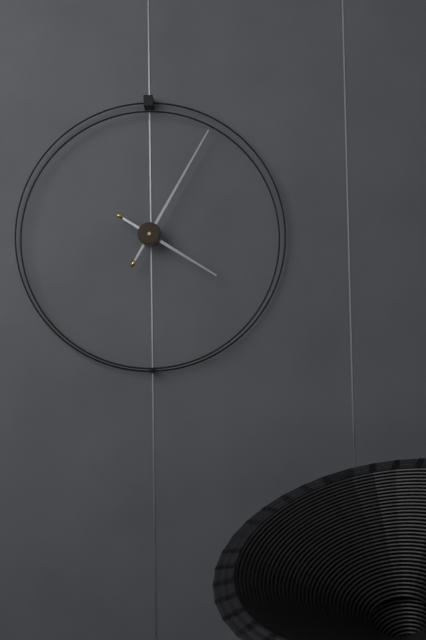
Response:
h=4 m=5
